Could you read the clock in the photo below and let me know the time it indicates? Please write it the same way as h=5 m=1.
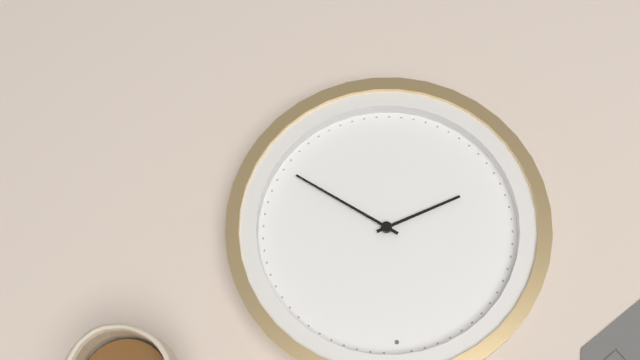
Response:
h=8 m=21
